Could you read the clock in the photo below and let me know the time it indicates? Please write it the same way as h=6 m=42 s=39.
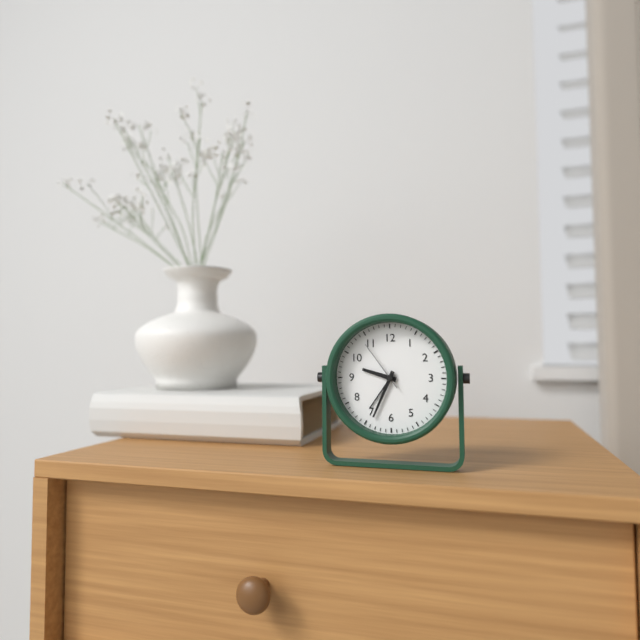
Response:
h=9 m=34 s=54
